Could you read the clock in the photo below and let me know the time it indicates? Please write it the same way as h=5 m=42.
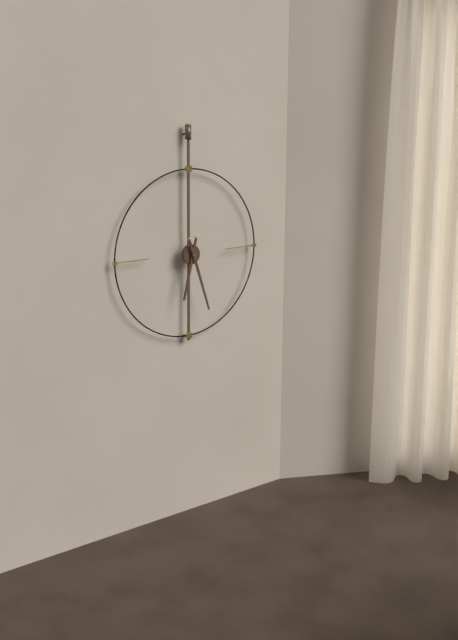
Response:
h=6 m=27
